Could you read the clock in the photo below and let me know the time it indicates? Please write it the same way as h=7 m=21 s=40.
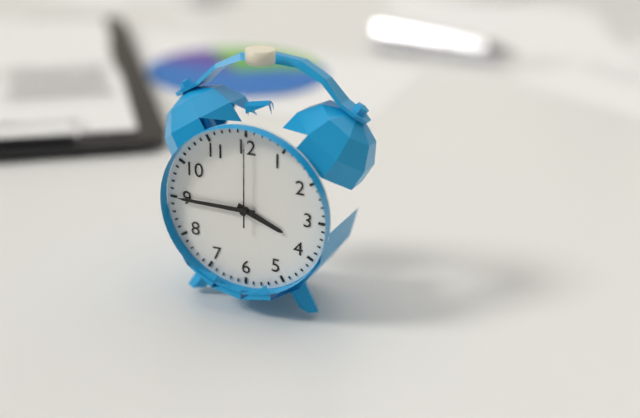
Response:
h=3 m=45 s=0
